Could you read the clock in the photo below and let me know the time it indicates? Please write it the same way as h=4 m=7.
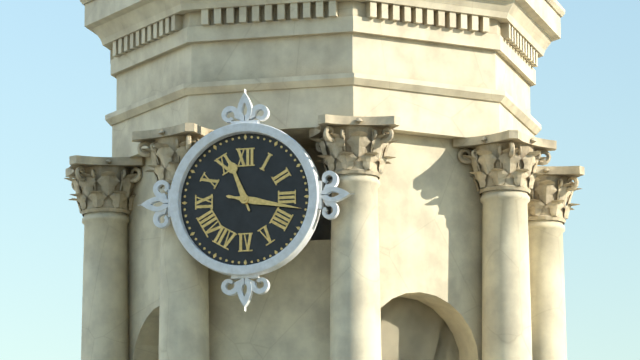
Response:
h=11 m=17
